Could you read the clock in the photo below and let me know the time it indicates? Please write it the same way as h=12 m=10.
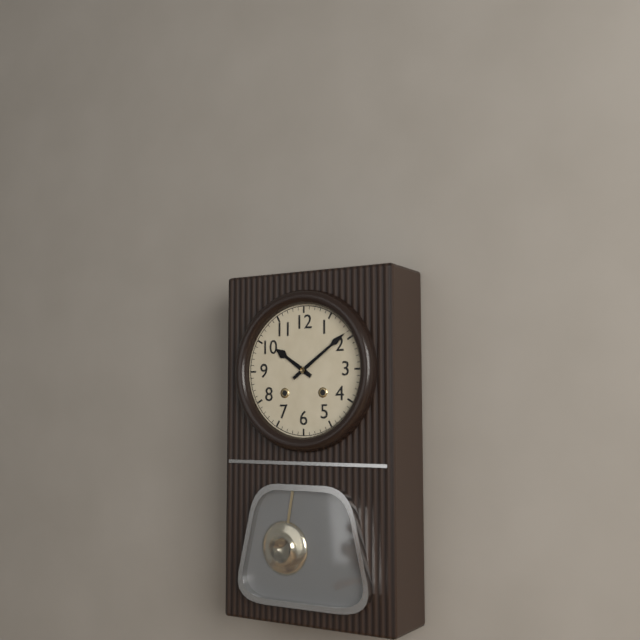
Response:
h=10 m=9
